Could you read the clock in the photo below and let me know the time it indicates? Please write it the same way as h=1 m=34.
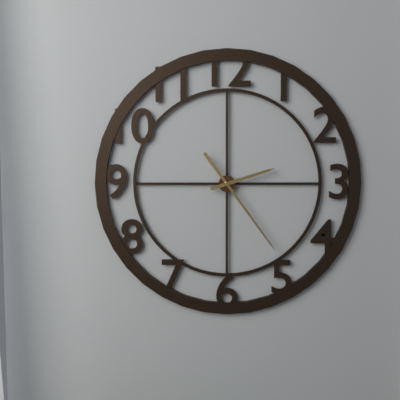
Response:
h=2 m=24
